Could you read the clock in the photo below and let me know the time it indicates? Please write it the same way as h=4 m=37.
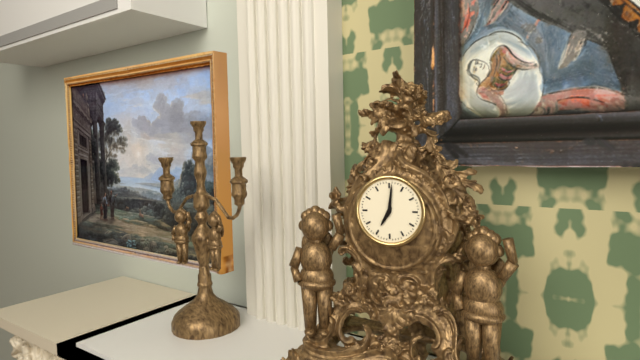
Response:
h=7 m=1
